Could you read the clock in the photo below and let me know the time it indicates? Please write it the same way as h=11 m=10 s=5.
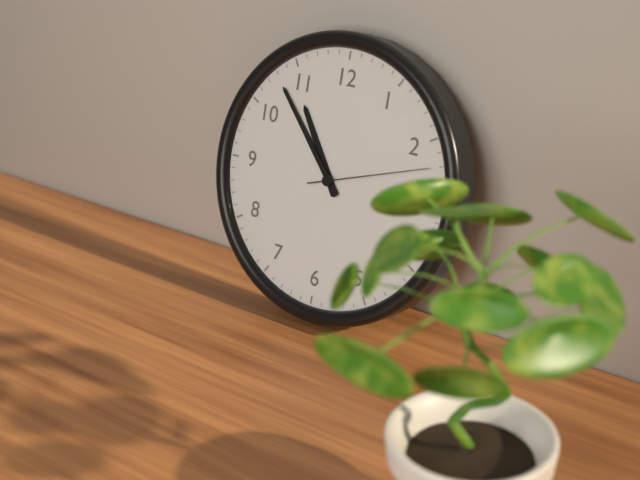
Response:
h=10 m=53 s=12
